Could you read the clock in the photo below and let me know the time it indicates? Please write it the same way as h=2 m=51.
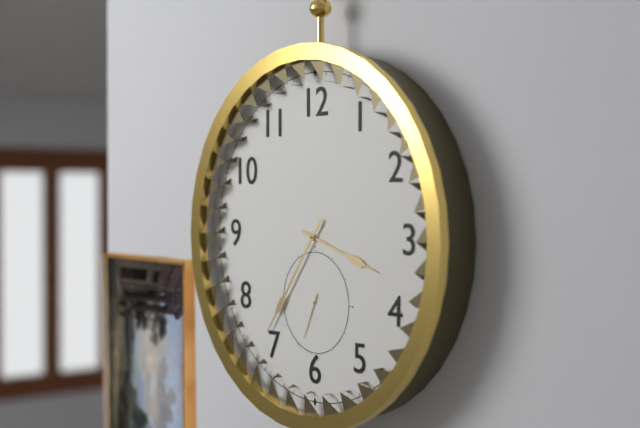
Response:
h=3 m=36
